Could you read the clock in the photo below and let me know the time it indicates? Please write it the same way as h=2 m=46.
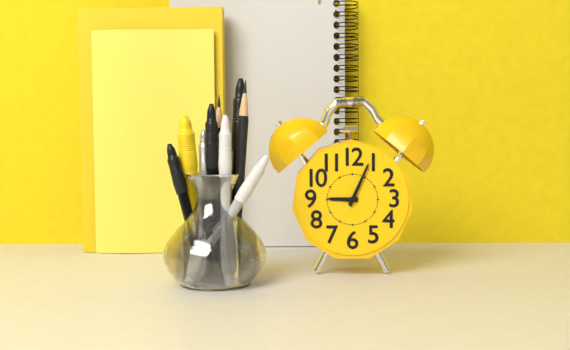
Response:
h=9 m=4
